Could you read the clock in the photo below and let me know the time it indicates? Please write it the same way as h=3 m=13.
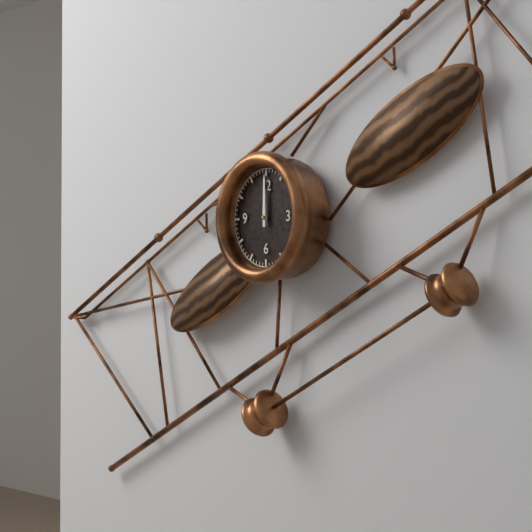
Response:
h=12 m=0
